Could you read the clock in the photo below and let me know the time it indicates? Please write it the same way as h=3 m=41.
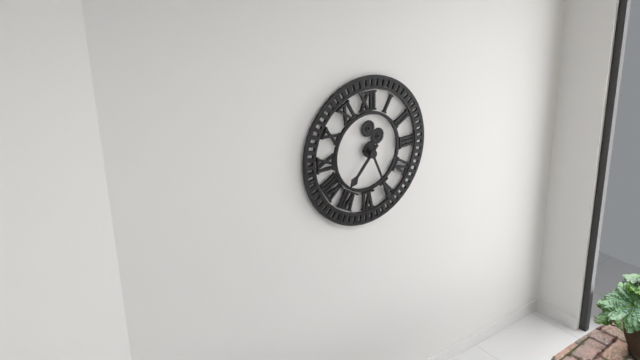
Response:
h=7 m=26
